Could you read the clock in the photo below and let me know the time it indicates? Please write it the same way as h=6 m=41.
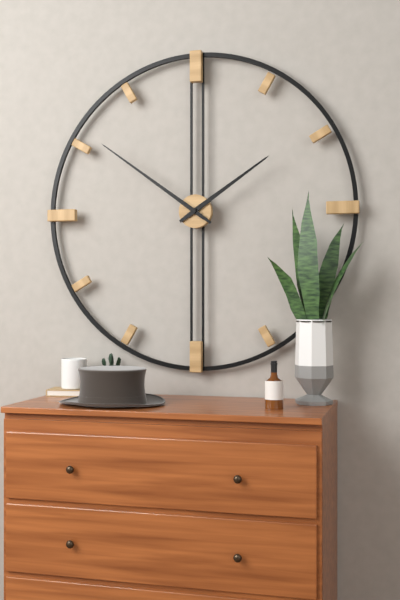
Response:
h=1 m=51
